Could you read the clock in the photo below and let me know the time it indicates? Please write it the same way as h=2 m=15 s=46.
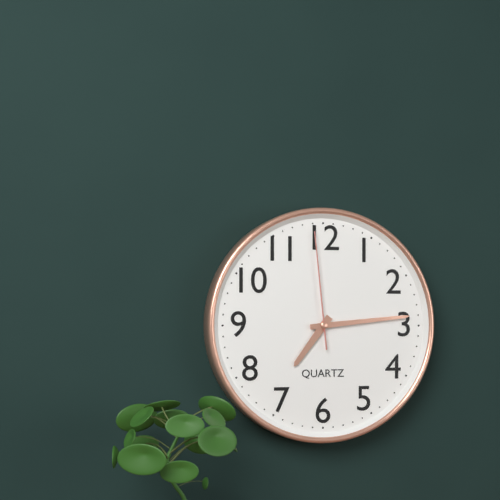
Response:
h=7 m=14 s=59
